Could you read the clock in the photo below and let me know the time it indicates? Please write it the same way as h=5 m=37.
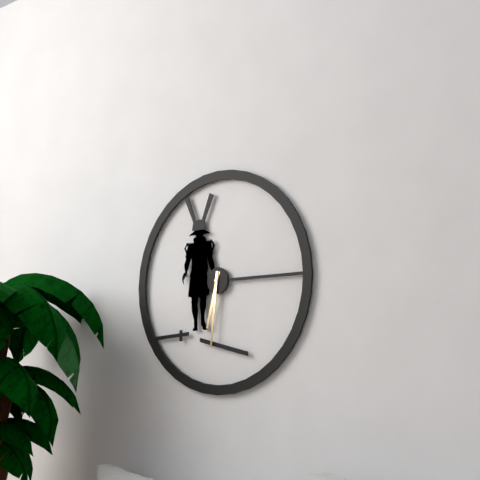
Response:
h=6 m=31
